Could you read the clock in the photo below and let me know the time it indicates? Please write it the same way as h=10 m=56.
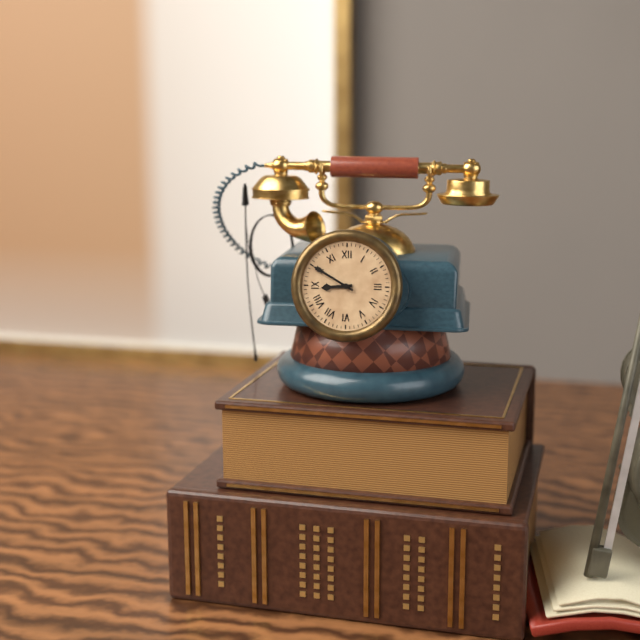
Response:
h=8 m=50
